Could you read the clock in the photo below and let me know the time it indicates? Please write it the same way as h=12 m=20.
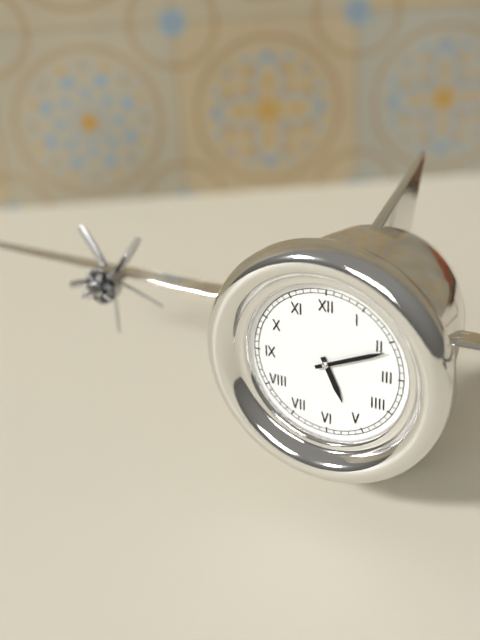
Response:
h=5 m=11
